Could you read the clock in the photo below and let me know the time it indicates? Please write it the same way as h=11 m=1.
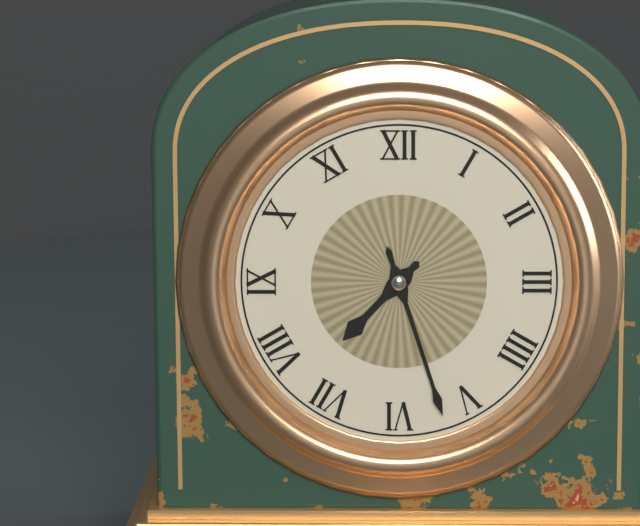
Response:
h=7 m=27
